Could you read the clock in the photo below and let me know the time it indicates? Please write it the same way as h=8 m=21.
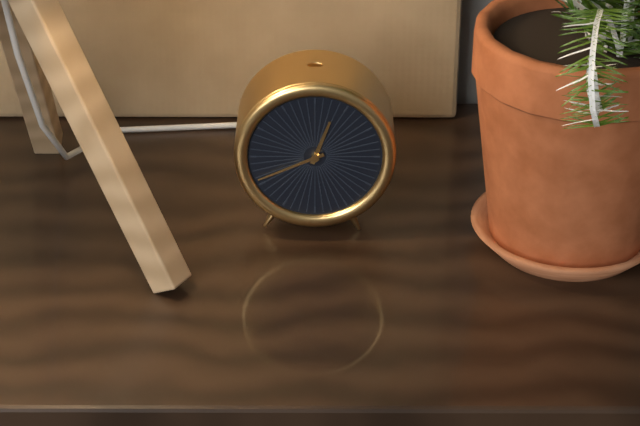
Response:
h=12 m=41
